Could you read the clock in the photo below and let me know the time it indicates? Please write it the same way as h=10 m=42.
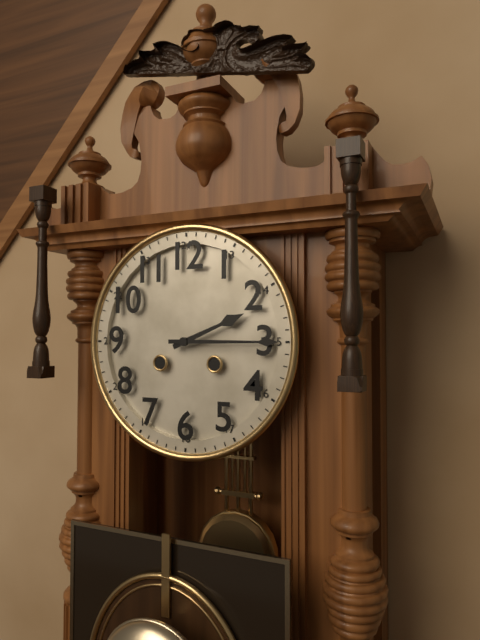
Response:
h=2 m=15
